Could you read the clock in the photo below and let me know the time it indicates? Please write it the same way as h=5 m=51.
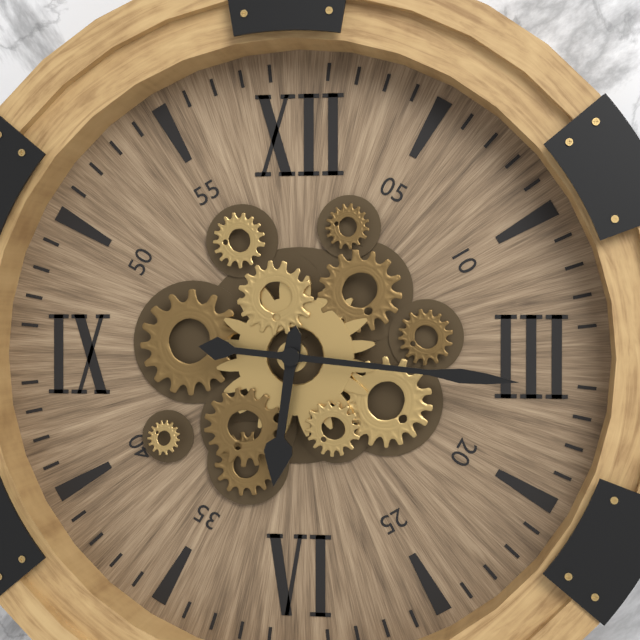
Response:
h=6 m=16
